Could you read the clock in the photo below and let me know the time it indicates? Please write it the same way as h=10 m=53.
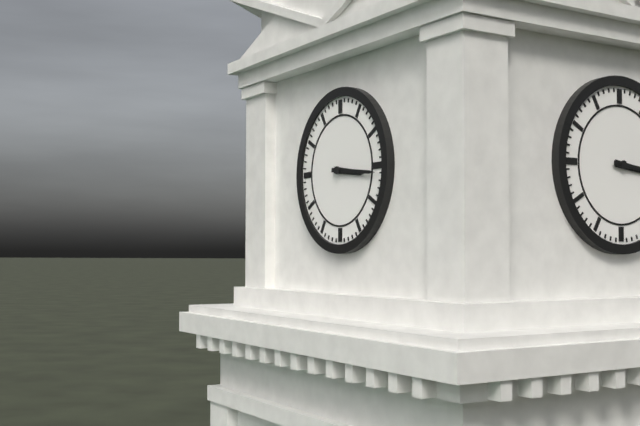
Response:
h=3 m=16
